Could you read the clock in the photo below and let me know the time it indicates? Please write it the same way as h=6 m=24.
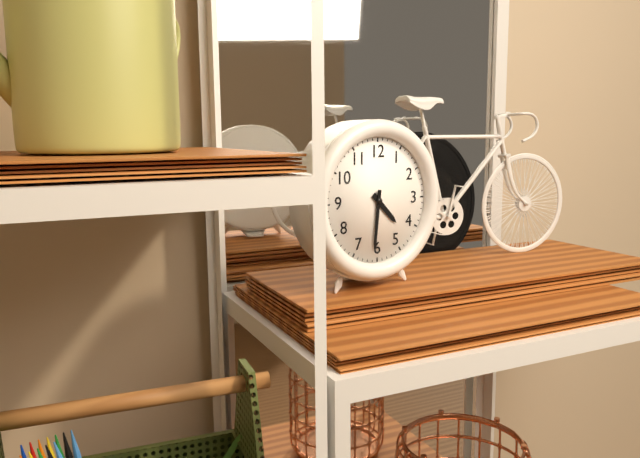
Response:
h=4 m=31
